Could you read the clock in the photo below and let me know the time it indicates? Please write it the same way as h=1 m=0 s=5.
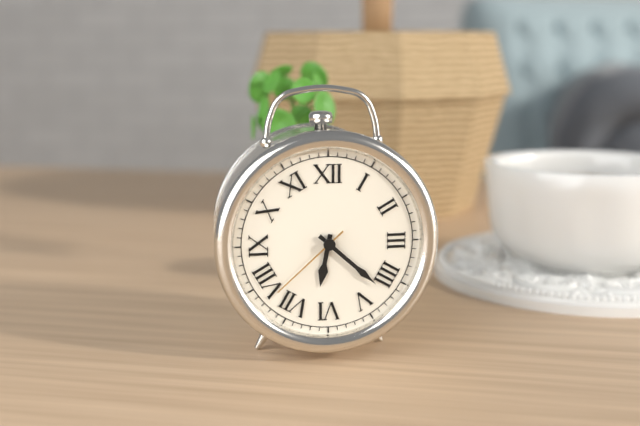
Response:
h=6 m=22 s=38
